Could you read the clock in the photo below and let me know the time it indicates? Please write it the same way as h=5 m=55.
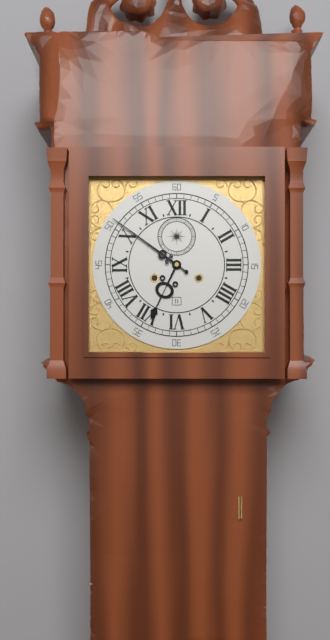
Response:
h=6 m=51
